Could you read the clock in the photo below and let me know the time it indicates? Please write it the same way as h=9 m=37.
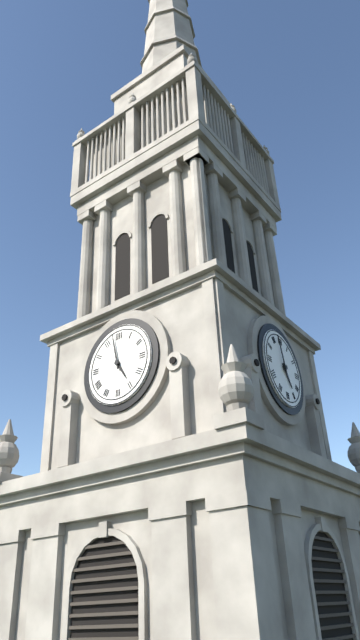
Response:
h=4 m=58
